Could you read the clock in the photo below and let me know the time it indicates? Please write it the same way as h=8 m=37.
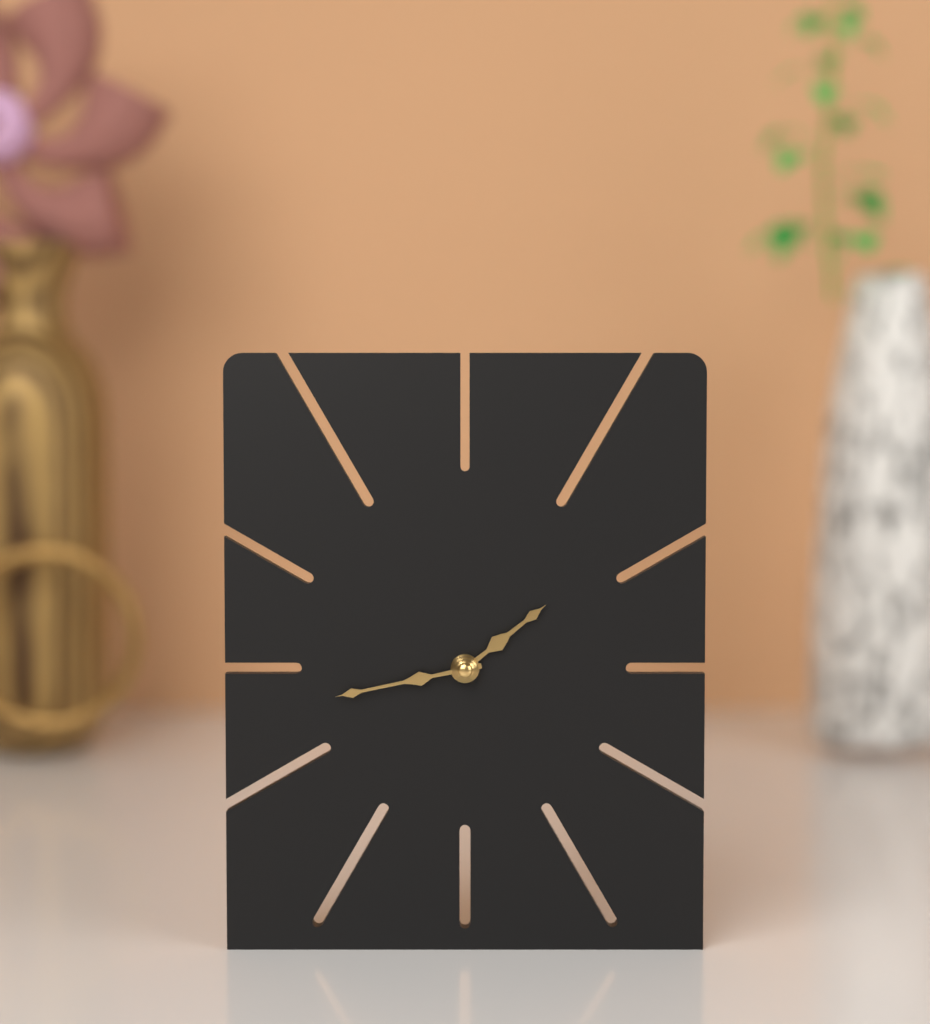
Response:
h=1 m=43
